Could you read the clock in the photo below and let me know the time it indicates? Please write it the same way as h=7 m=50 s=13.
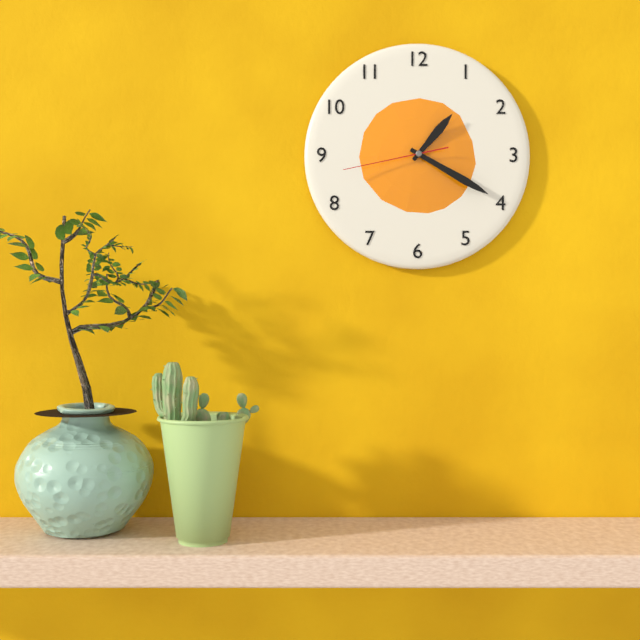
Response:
h=1 m=20 s=43
